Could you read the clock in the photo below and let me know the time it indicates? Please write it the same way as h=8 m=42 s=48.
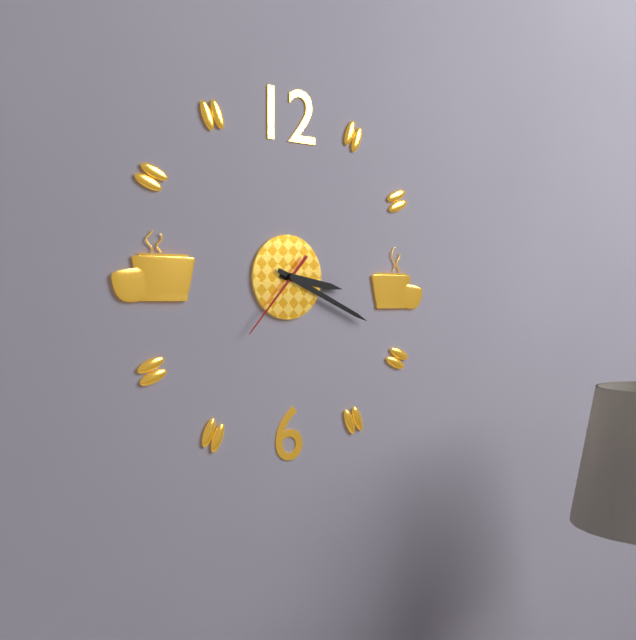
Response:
h=3 m=19 s=37
